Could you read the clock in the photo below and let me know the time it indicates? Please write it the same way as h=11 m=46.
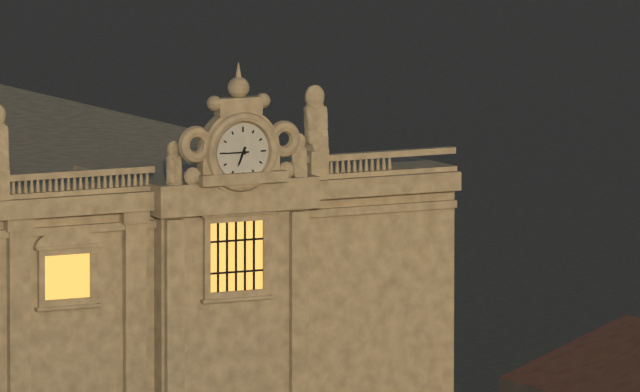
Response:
h=6 m=45
